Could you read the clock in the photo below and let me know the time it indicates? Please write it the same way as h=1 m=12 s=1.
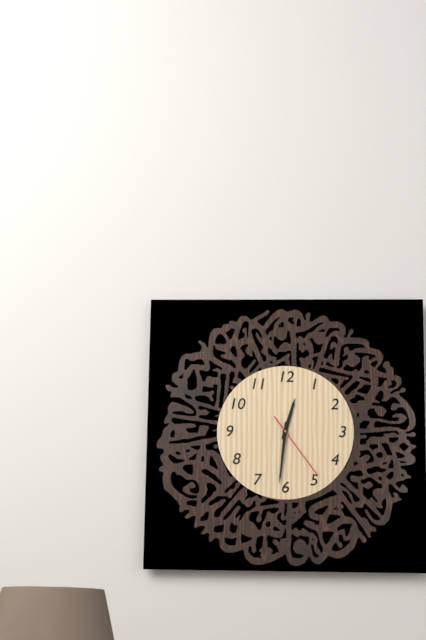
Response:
h=12 m=31 s=24
